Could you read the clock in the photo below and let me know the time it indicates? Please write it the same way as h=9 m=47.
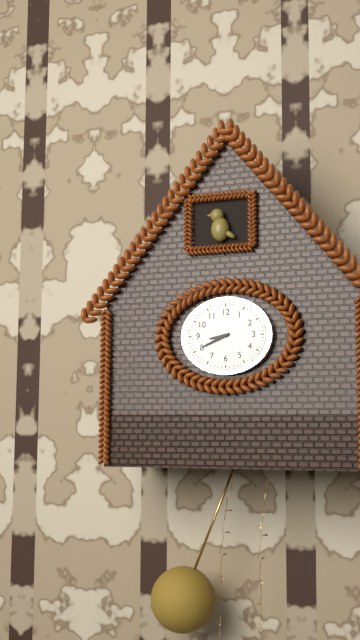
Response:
h=8 m=41
